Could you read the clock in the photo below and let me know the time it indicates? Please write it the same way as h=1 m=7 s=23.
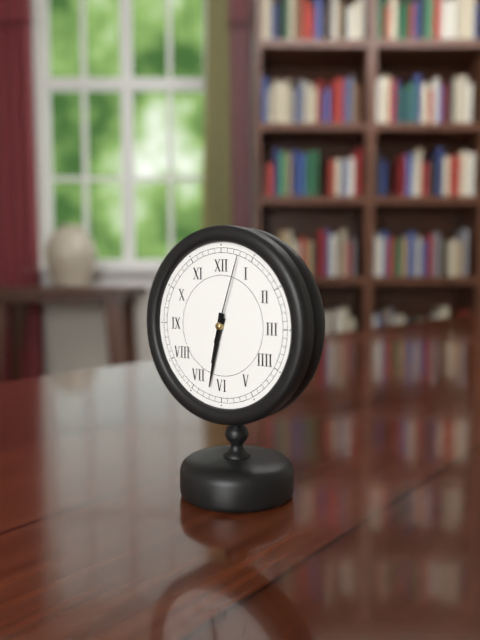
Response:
h=6 m=32 s=3
